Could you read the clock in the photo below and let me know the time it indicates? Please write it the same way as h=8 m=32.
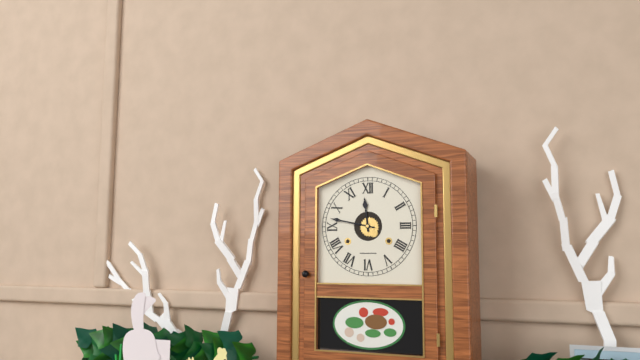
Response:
h=11 m=47
